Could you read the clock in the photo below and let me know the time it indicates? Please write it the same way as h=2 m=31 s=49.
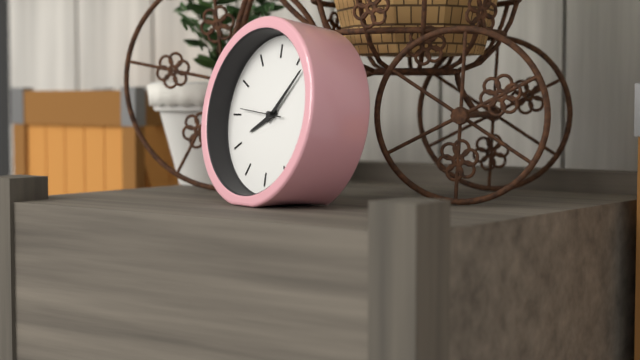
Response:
h=8 m=7 s=46
